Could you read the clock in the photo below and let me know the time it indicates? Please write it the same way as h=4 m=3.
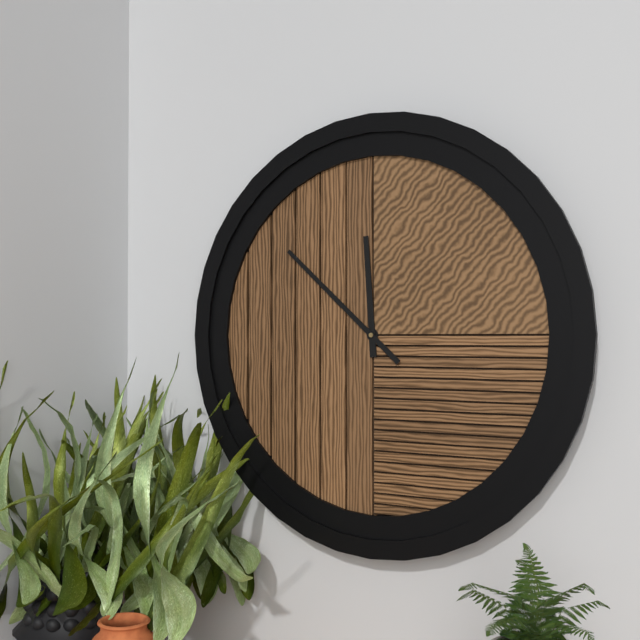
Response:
h=11 m=52
